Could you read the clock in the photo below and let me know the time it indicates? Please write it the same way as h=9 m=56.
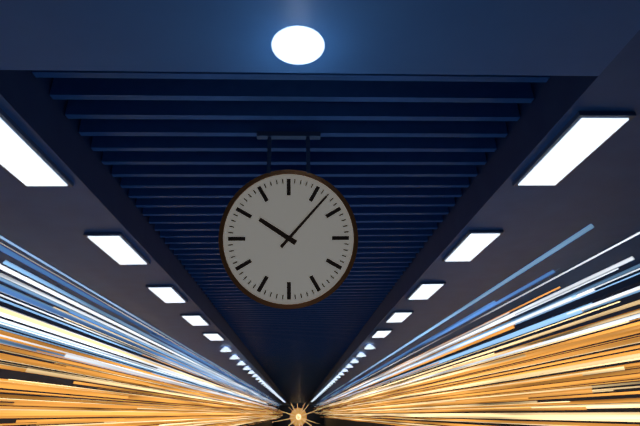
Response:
h=10 m=7
